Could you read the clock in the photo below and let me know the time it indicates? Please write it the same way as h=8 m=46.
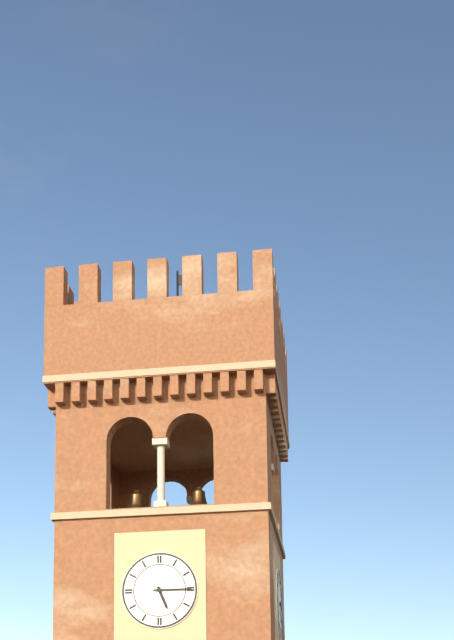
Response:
h=5 m=15
